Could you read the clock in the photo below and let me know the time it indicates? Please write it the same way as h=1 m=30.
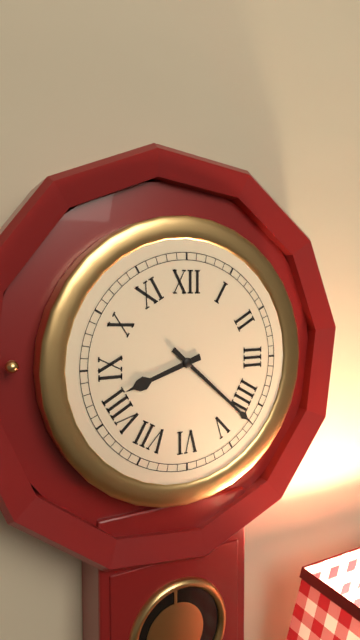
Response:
h=8 m=22
